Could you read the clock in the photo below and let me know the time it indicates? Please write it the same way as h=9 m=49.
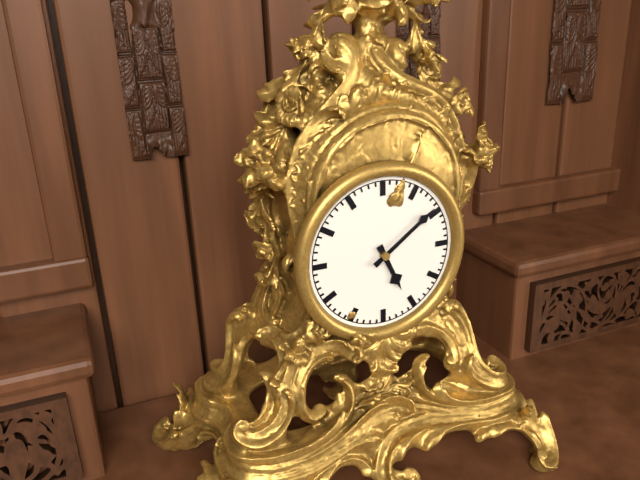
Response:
h=5 m=9
